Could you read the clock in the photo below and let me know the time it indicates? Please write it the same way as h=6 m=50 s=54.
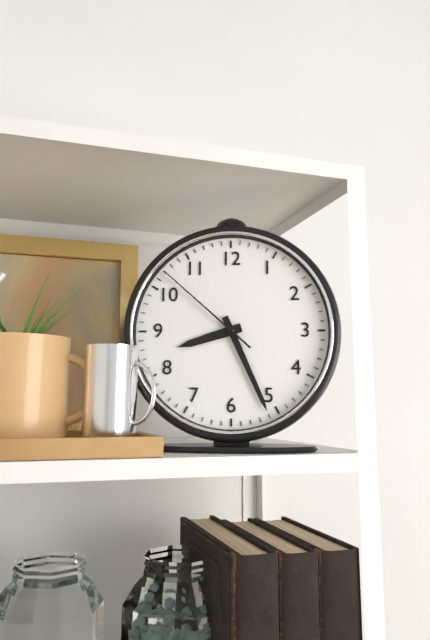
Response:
h=8 m=26 s=52
